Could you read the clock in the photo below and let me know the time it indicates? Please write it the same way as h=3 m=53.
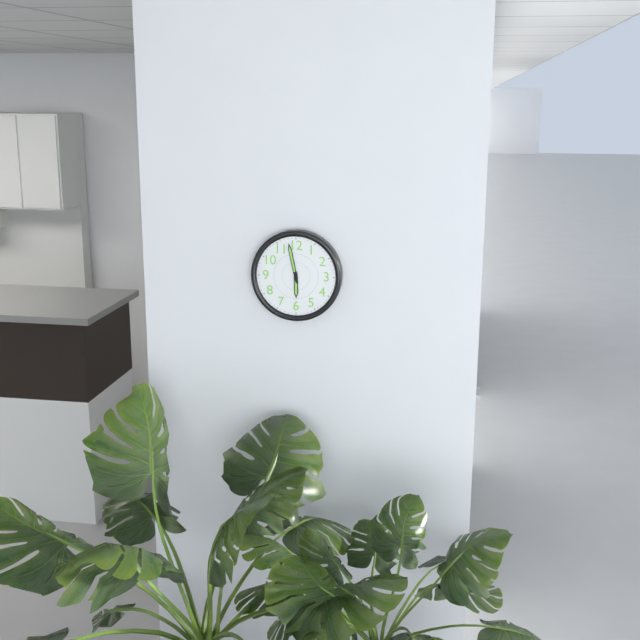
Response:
h=5 m=58
